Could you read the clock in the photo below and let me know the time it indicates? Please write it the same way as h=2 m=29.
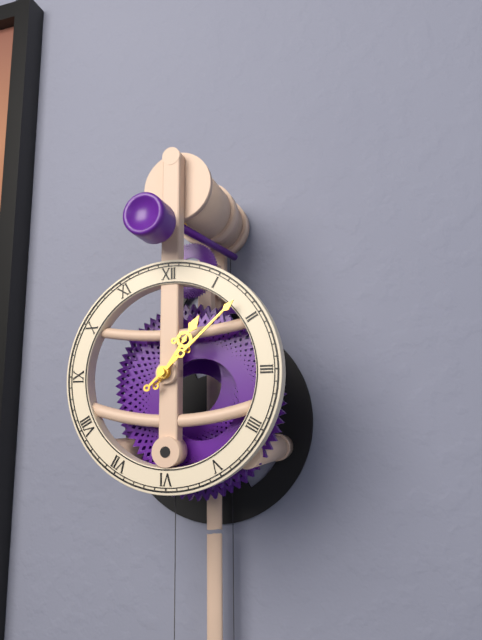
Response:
h=1 m=8
